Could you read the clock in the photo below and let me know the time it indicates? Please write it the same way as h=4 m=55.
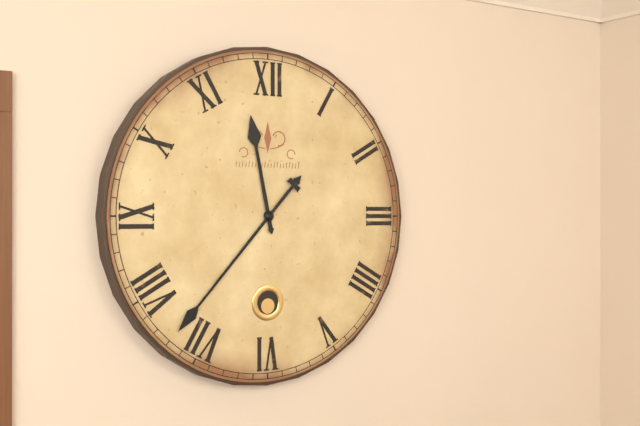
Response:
h=11 m=37
